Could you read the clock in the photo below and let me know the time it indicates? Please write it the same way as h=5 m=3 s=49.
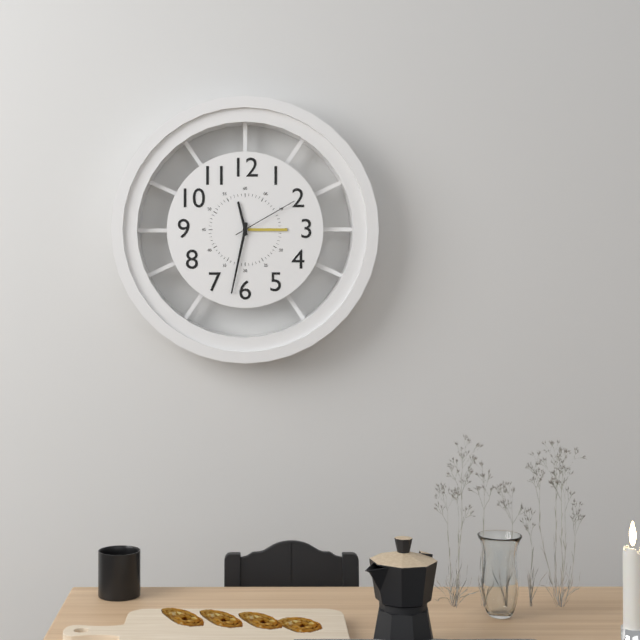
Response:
h=11 m=32 s=10
